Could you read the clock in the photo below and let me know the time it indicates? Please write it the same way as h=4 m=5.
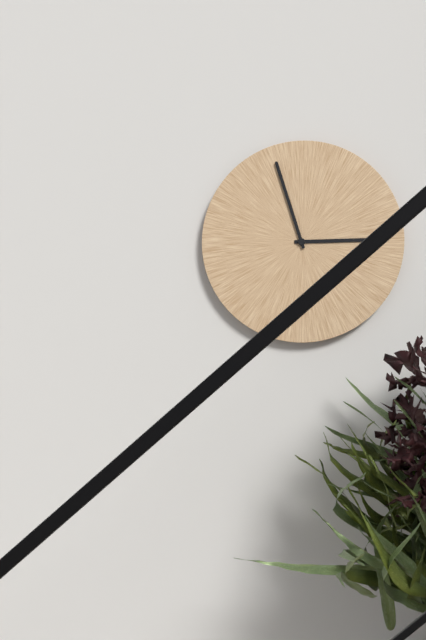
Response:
h=2 m=57
